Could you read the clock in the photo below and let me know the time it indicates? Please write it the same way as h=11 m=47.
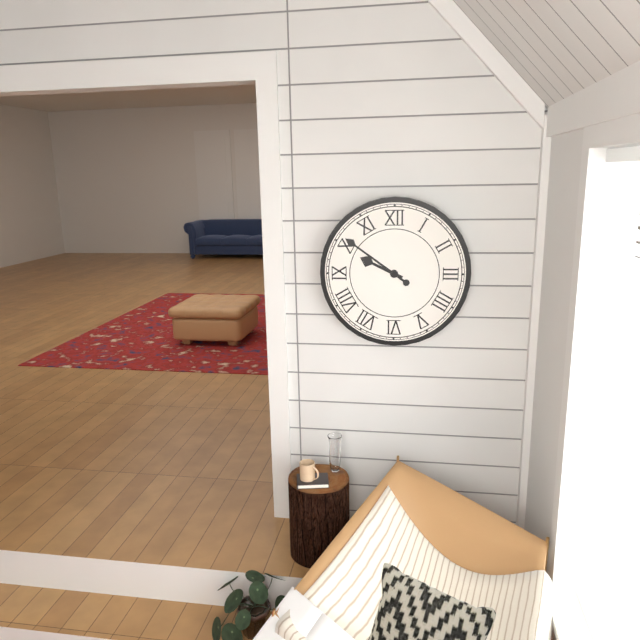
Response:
h=9 m=51
